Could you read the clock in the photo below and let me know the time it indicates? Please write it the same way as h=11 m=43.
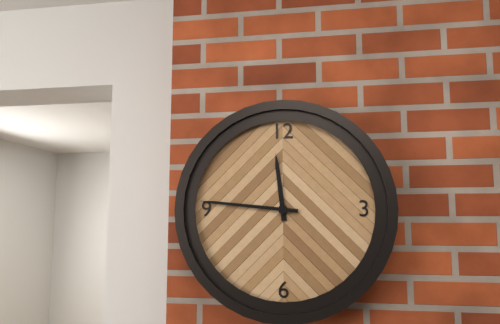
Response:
h=11 m=46
